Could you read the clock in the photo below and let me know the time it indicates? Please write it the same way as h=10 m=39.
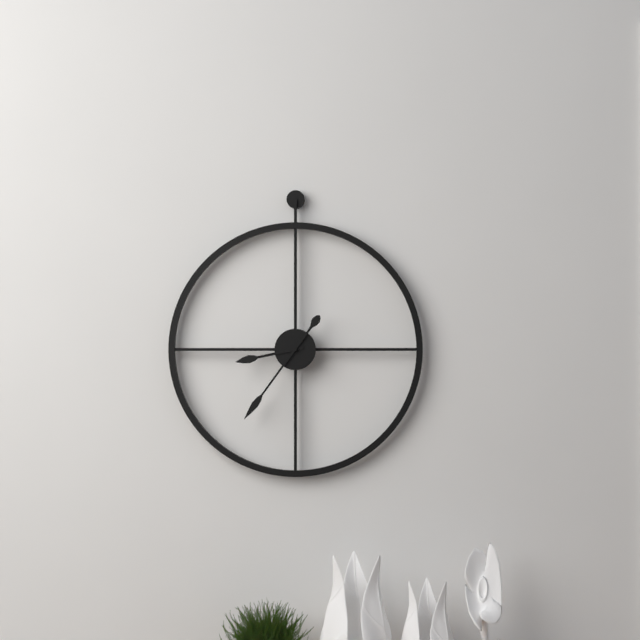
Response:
h=8 m=36
